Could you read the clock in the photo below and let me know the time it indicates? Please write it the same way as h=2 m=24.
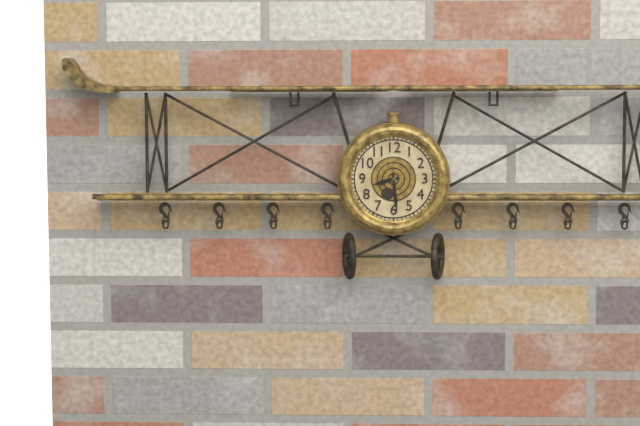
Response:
h=8 m=29
